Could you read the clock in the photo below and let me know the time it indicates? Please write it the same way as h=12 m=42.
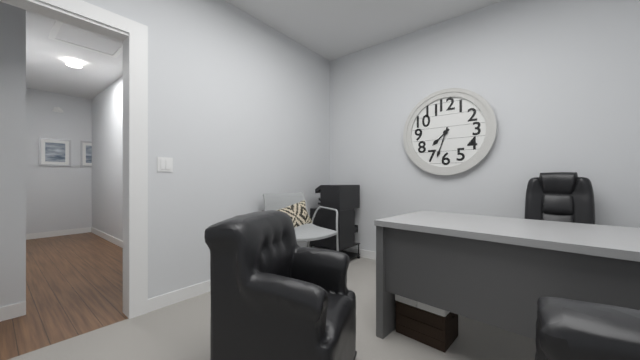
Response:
h=7 m=33
